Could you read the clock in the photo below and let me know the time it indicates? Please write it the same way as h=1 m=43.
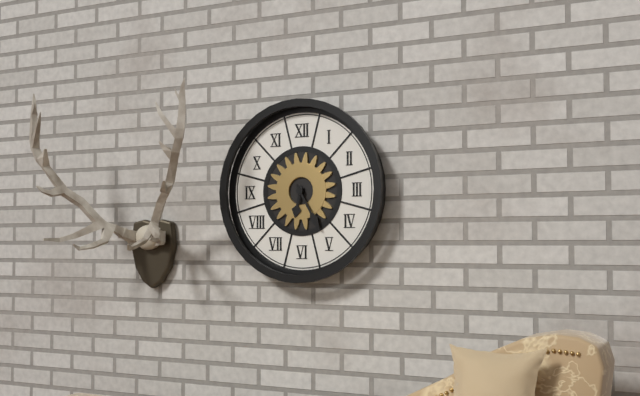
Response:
h=6 m=25
